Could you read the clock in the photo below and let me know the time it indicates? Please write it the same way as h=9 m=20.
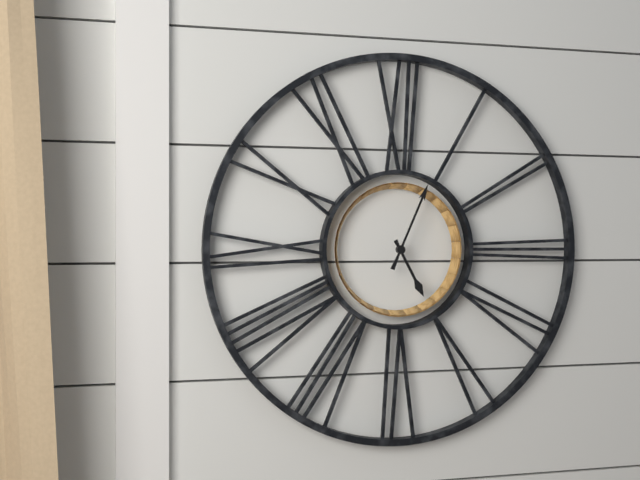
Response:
h=5 m=4
